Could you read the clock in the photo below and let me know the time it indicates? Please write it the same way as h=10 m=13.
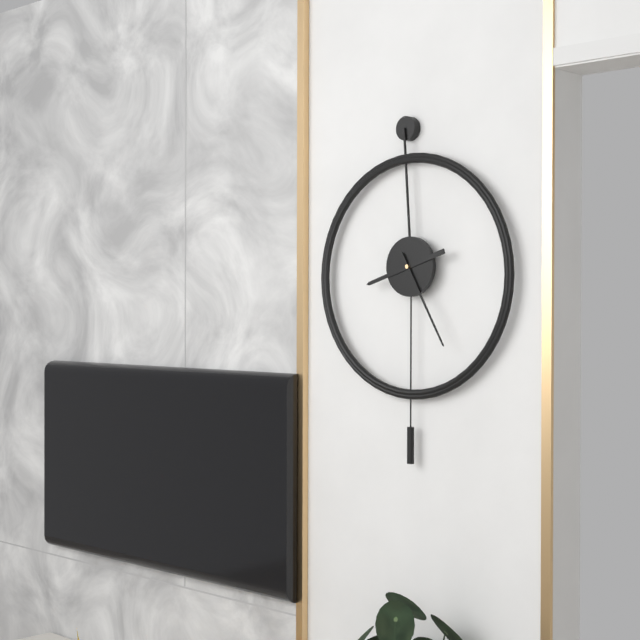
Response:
h=8 m=25
